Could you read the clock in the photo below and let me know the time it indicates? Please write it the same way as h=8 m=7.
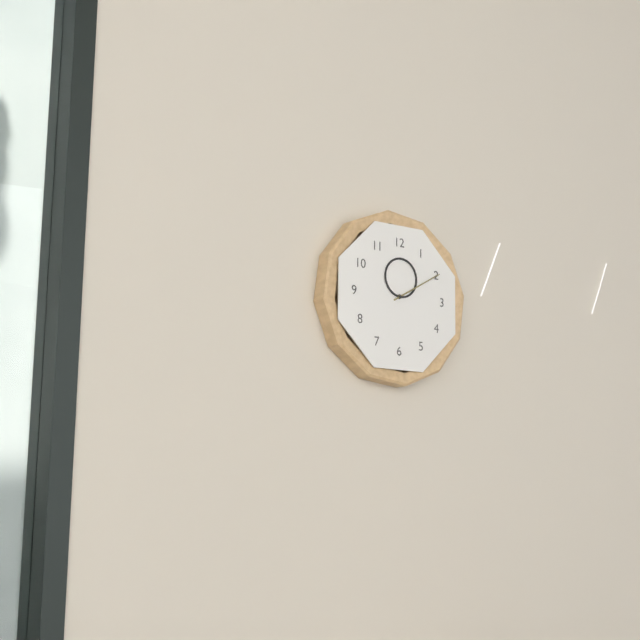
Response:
h=12 m=10
